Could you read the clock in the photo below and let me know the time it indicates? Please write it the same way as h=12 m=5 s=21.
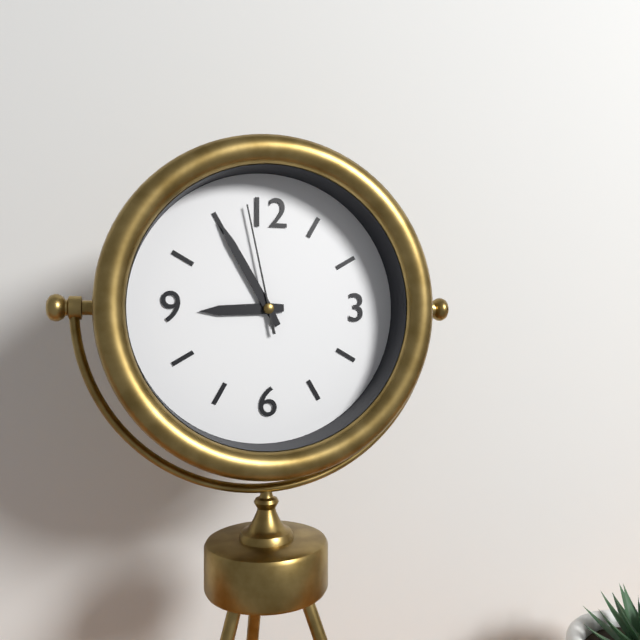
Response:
h=8 m=55 s=58
